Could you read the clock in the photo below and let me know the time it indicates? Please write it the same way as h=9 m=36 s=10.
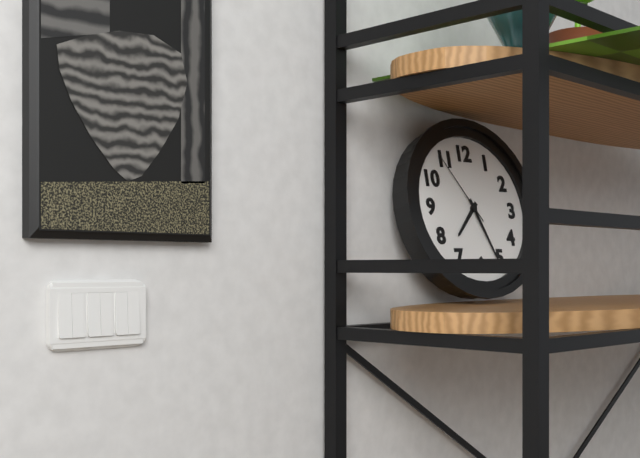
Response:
h=7 m=26 s=54
